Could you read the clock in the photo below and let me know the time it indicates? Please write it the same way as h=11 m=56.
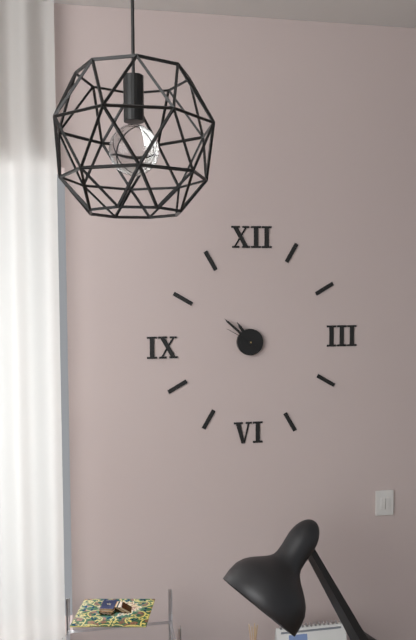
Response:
h=10 m=52
